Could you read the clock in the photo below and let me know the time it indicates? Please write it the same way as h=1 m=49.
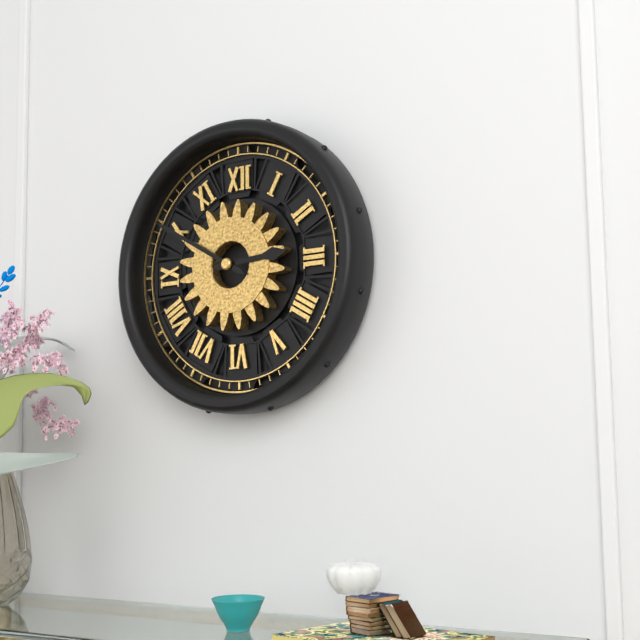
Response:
h=2 m=50
